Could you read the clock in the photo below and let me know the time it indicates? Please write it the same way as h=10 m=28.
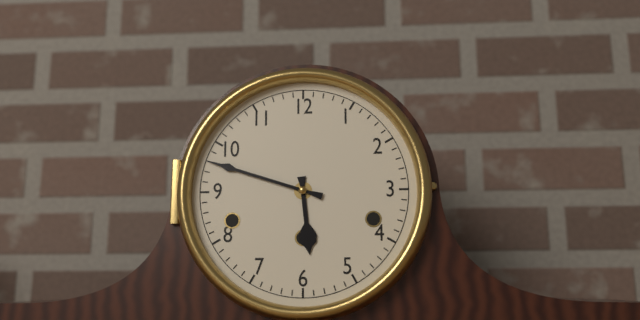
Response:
h=5 m=48
